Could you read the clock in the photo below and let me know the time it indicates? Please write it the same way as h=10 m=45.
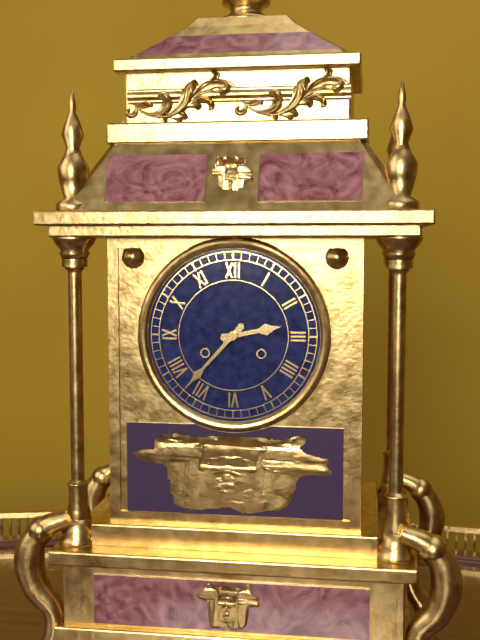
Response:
h=2 m=37
